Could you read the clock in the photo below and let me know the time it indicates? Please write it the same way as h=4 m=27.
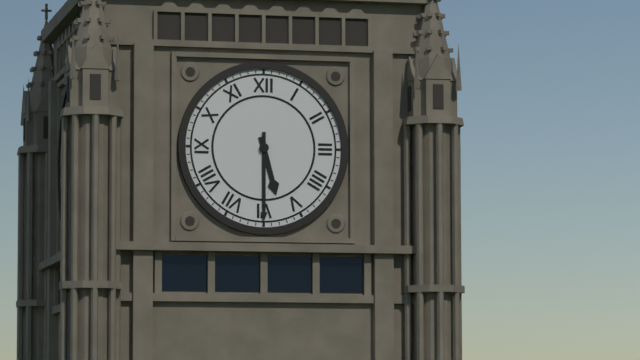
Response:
h=5 m=30
